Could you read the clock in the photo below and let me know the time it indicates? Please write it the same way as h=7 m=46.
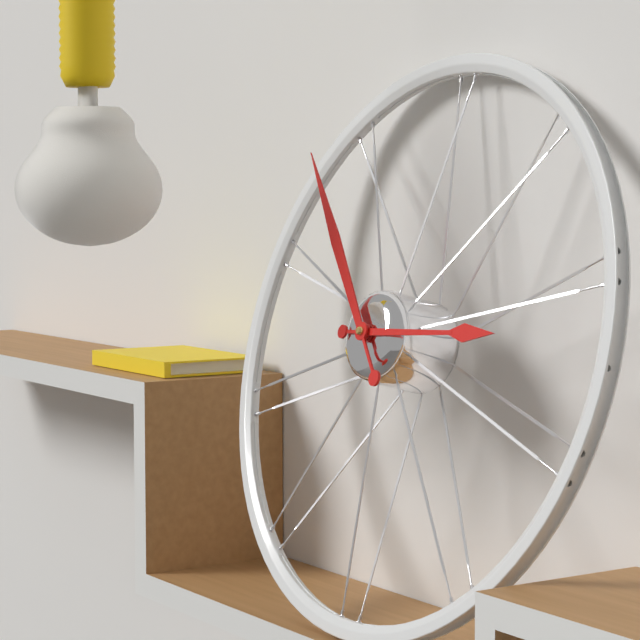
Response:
h=2 m=53
